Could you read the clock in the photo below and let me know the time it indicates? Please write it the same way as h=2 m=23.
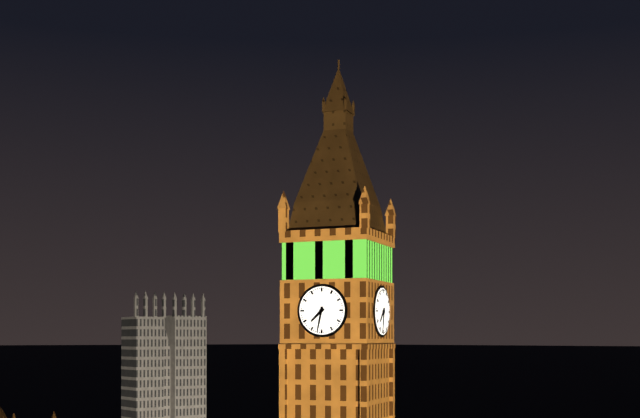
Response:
h=7 m=32
